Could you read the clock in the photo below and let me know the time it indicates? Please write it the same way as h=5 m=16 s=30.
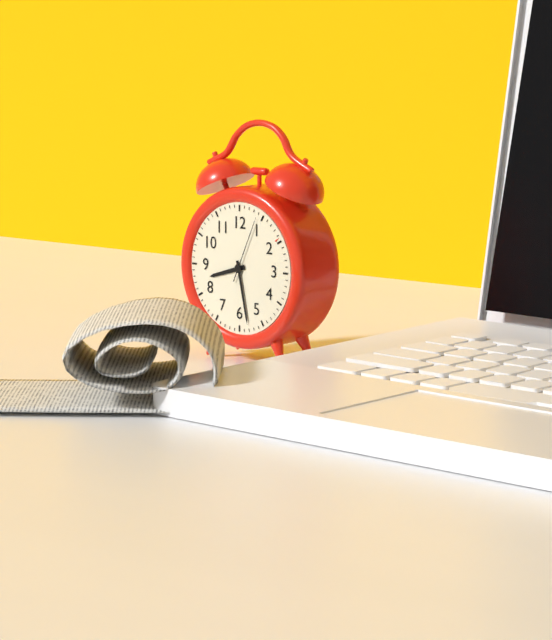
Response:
h=8 m=28 s=4
